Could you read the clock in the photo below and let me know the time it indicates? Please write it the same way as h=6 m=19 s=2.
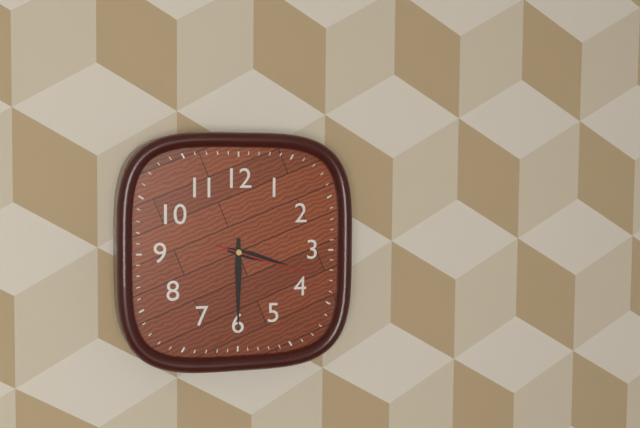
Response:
h=3 m=30 s=18
